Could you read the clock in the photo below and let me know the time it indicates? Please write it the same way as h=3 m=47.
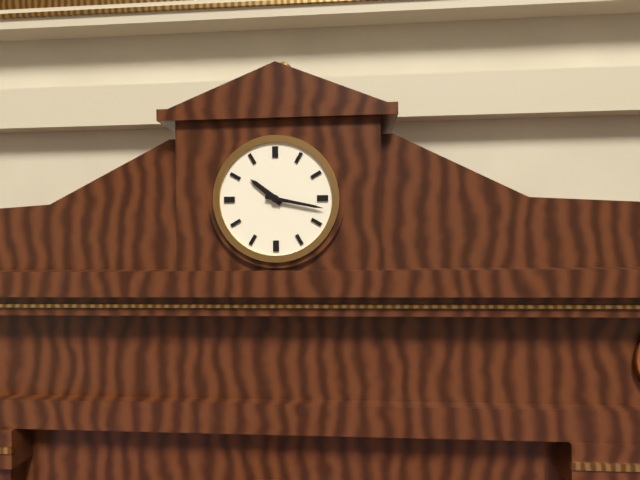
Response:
h=10 m=17
